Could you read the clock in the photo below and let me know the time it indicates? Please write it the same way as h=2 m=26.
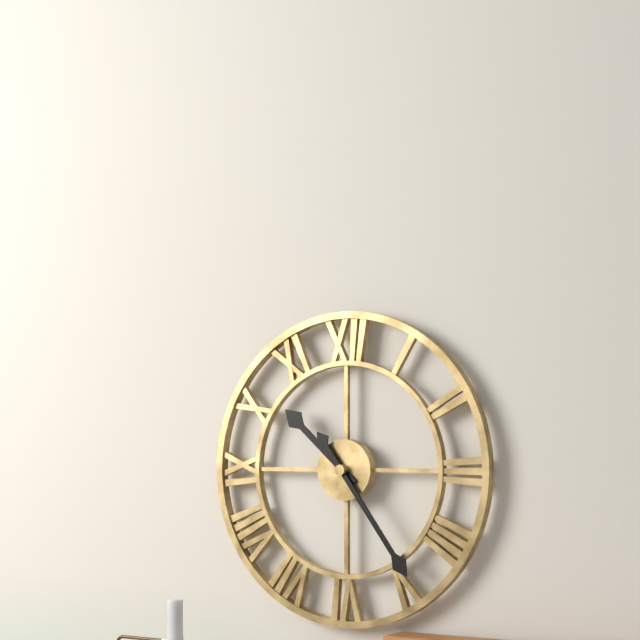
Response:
h=10 m=24
